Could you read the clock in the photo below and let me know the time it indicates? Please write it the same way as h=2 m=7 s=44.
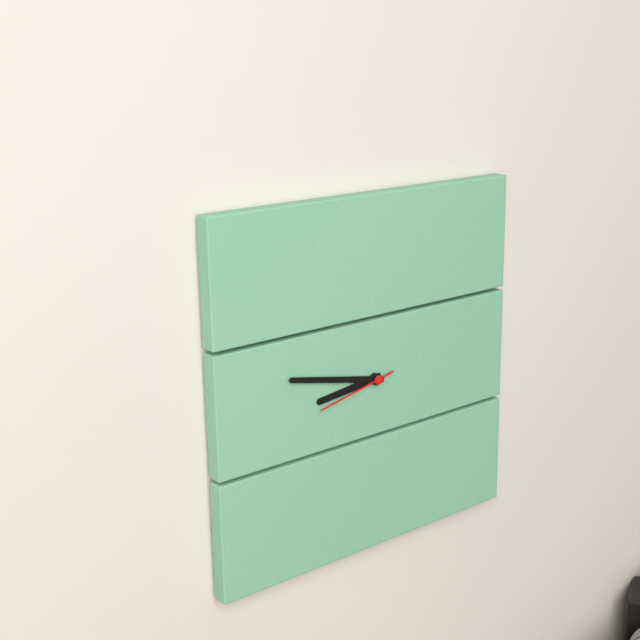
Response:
h=8 m=47 s=43
